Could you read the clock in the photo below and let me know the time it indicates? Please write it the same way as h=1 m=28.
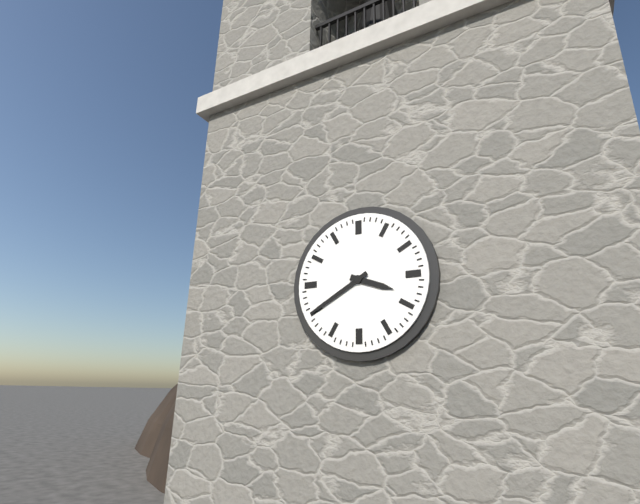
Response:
h=3 m=40
